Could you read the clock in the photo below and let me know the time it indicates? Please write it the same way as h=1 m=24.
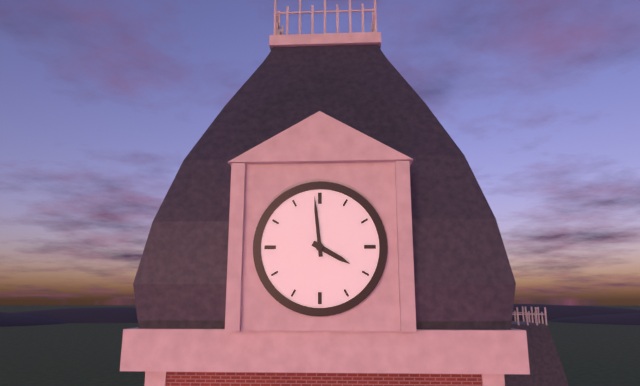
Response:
h=3 m=59
